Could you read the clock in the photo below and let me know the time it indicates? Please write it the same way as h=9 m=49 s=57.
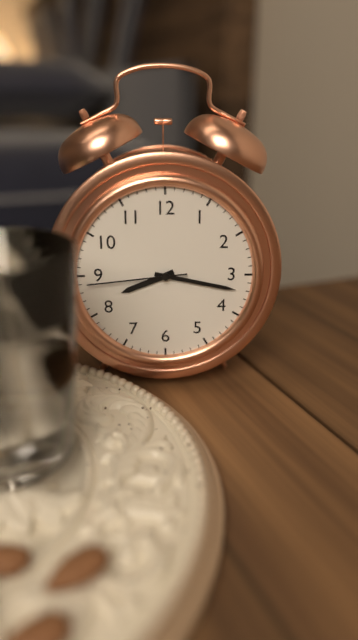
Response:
h=8 m=17 s=44
